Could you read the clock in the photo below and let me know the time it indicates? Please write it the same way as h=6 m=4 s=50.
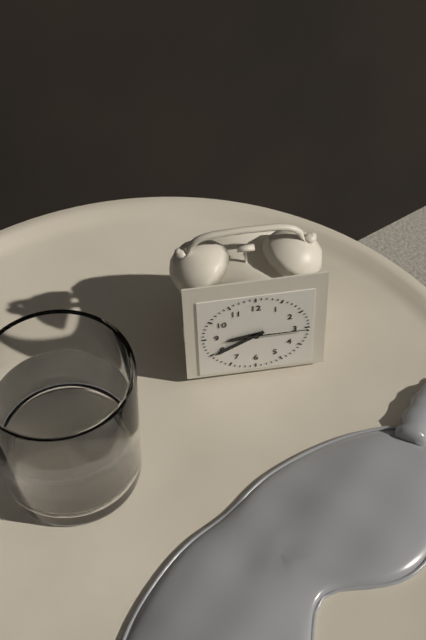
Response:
h=8 m=40 s=15
